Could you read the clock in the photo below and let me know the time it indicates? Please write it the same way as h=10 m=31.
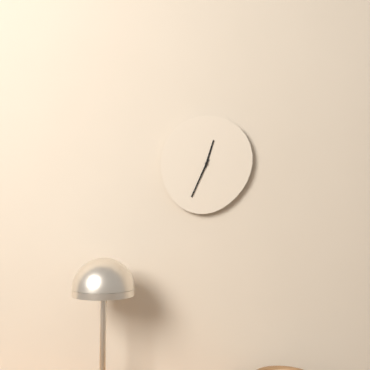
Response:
h=12 m=34
